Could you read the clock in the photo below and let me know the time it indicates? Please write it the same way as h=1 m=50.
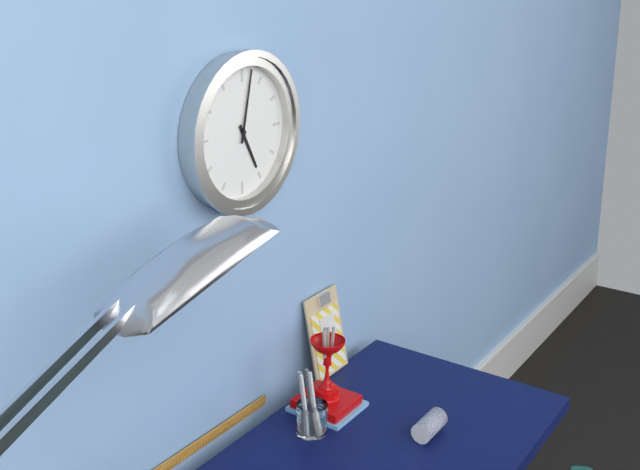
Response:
h=5 m=2
